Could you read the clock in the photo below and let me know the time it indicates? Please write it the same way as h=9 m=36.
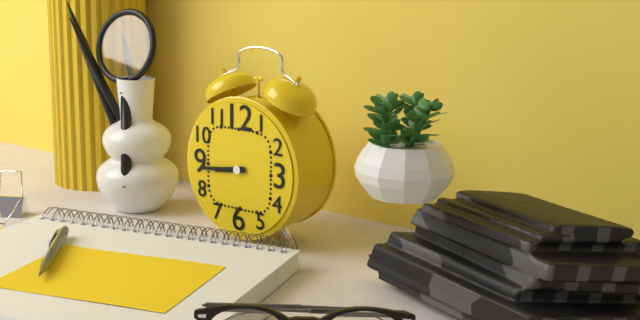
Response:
h=8 m=44
